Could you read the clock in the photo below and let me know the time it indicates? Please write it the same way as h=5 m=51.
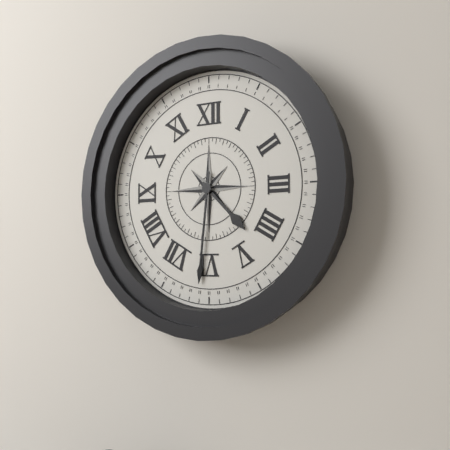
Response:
h=4 m=31
